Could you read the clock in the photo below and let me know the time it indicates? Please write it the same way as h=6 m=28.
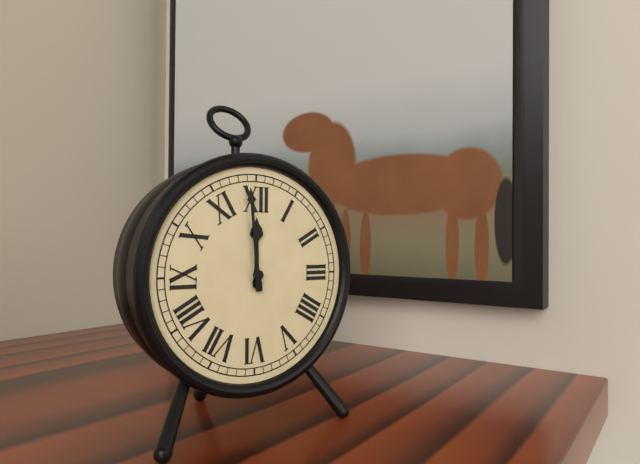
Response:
h=11 m=59
